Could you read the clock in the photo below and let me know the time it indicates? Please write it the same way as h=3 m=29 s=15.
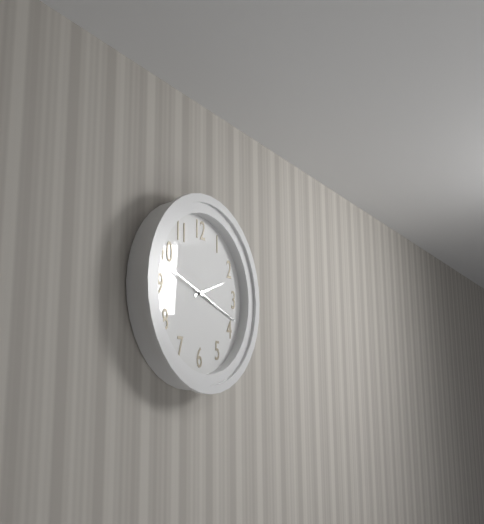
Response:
h=2 m=18 s=48
